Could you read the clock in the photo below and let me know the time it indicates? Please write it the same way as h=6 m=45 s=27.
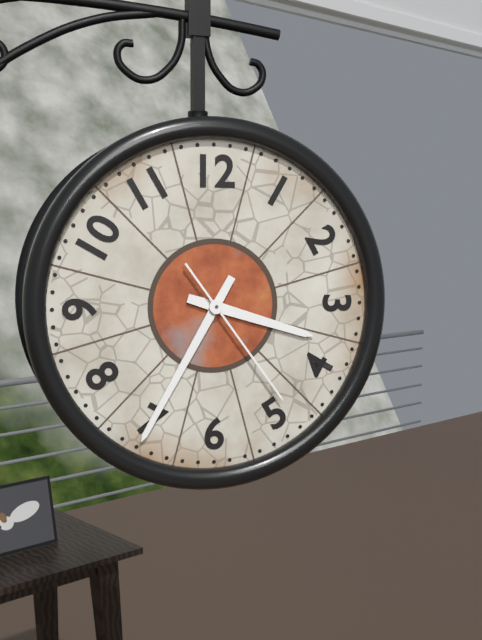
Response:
h=3 m=35 s=24
